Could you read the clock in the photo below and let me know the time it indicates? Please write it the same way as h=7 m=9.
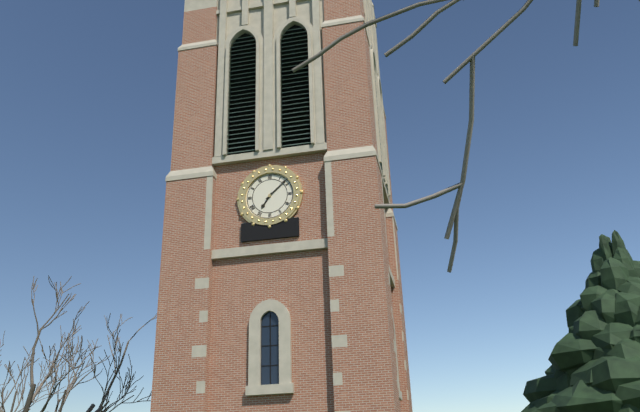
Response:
h=7 m=8
